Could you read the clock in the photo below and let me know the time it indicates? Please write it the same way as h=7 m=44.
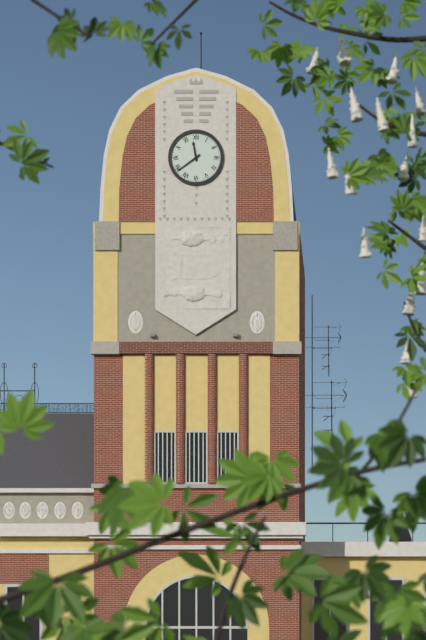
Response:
h=11 m=39
